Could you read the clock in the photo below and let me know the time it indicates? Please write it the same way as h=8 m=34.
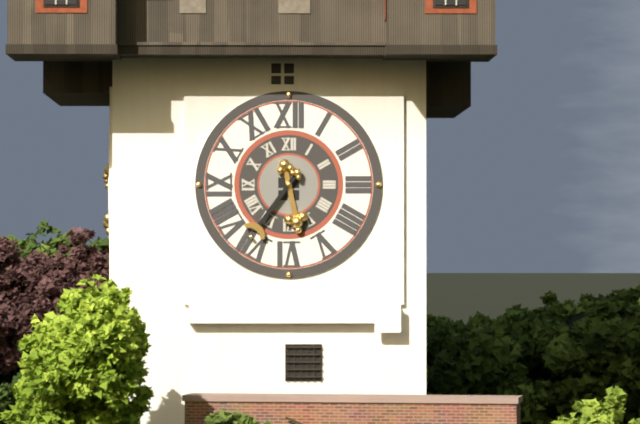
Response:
h=5 m=36
